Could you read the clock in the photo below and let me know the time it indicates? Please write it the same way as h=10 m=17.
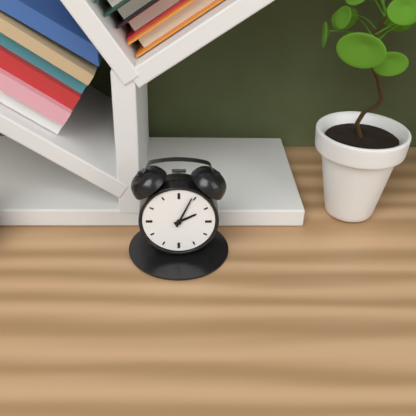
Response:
h=2 m=4
